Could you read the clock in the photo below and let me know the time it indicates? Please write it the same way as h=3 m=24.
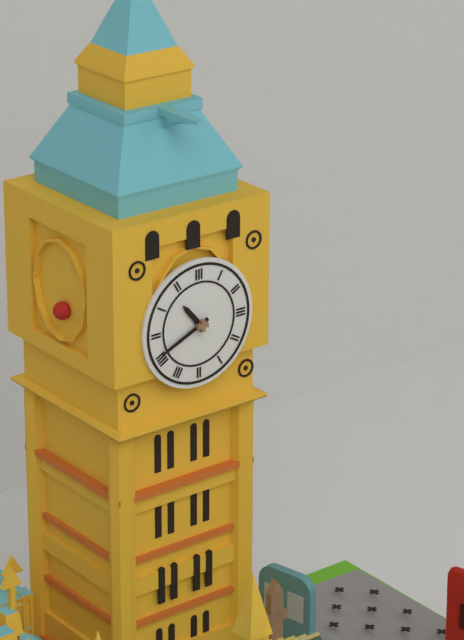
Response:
h=10 m=41
